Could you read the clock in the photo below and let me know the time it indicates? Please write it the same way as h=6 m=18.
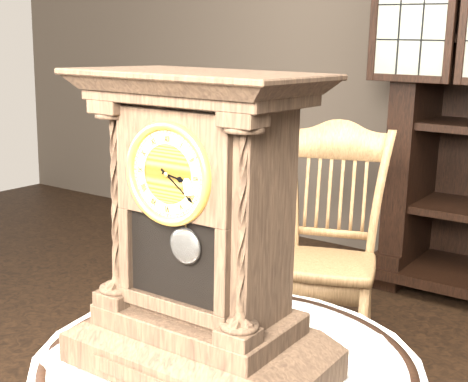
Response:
h=3 m=21
